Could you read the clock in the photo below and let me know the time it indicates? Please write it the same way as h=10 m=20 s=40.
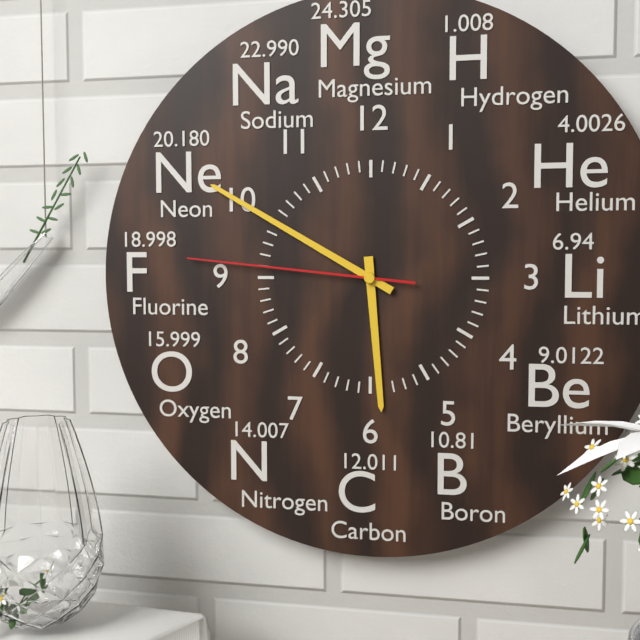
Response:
h=5 m=50 s=46
